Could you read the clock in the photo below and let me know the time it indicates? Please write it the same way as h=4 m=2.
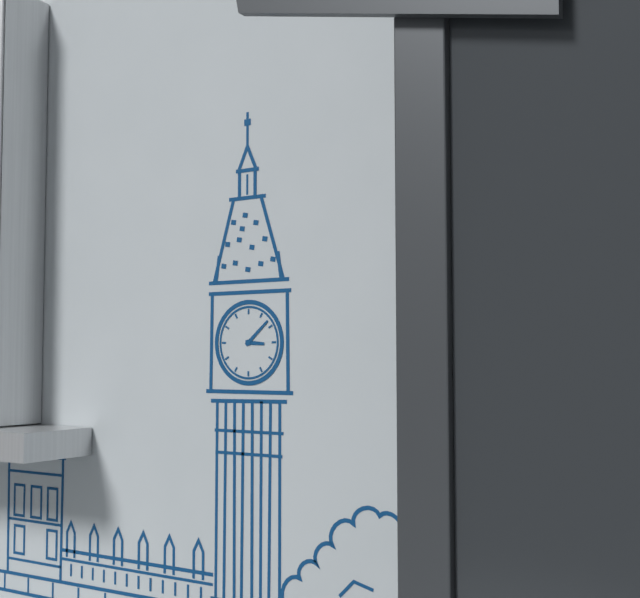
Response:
h=3 m=8
